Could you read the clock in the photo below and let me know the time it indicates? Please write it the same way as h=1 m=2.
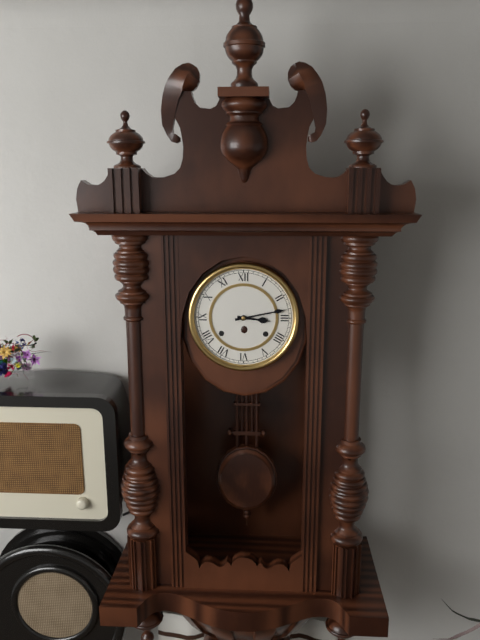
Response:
h=3 m=13
